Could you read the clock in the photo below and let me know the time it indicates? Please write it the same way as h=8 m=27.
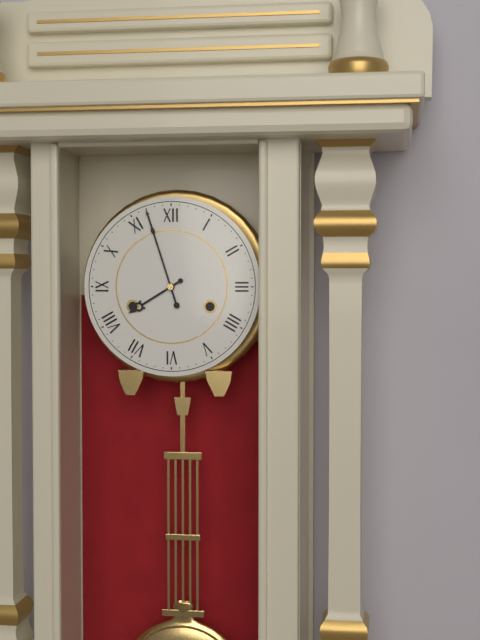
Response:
h=7 m=57
